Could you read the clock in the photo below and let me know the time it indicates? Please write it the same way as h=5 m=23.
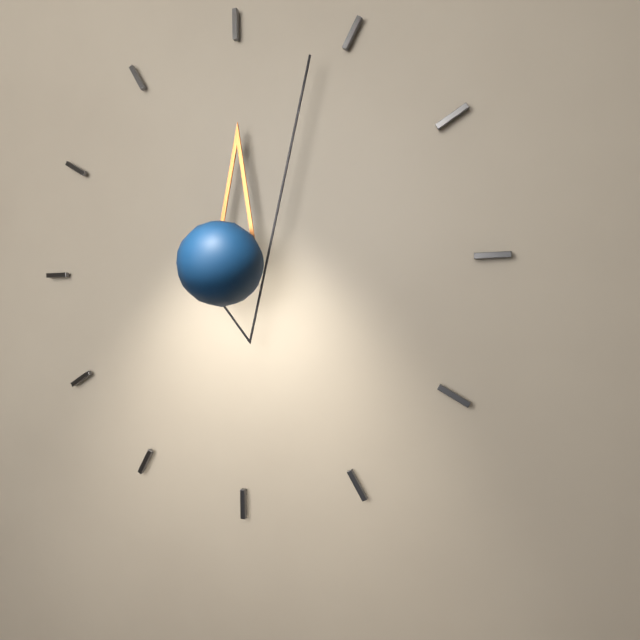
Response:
h=12 m=4
